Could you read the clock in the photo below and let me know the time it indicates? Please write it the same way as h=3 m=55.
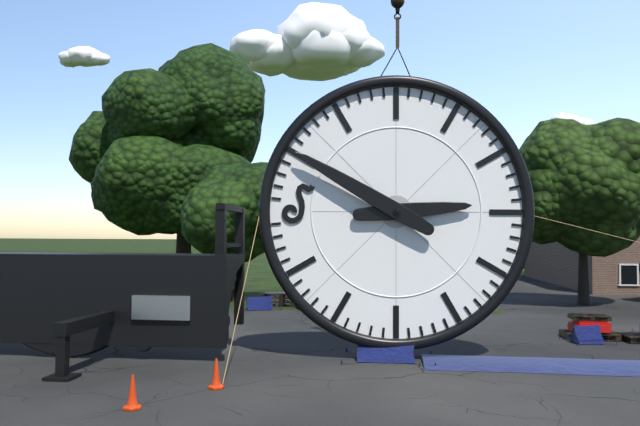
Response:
h=2 m=50
